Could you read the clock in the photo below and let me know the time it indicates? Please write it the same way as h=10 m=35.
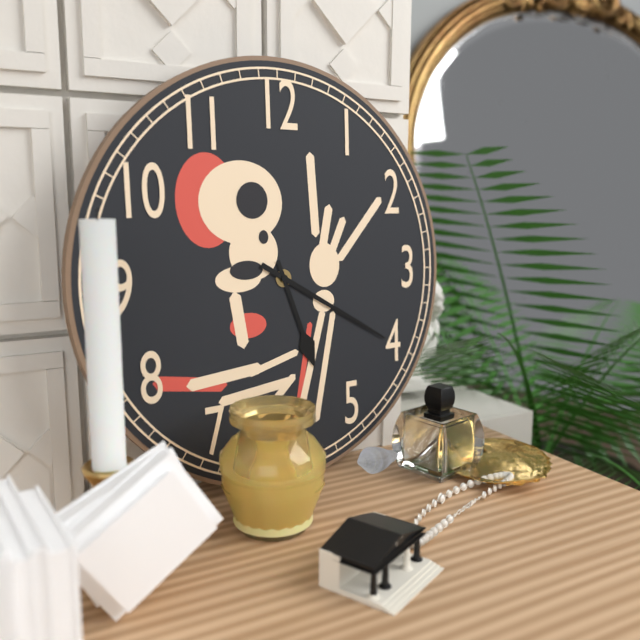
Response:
h=5 m=20
